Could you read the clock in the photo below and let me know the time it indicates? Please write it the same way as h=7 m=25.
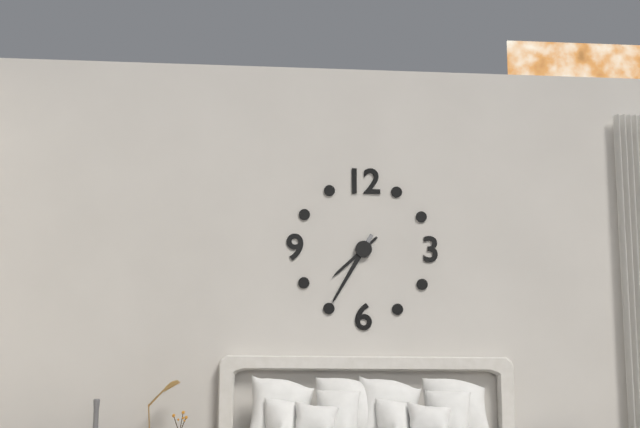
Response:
h=7 m=35
